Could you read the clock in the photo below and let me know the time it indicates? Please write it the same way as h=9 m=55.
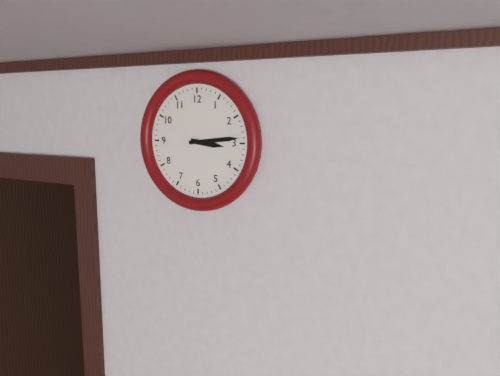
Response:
h=3 m=14
